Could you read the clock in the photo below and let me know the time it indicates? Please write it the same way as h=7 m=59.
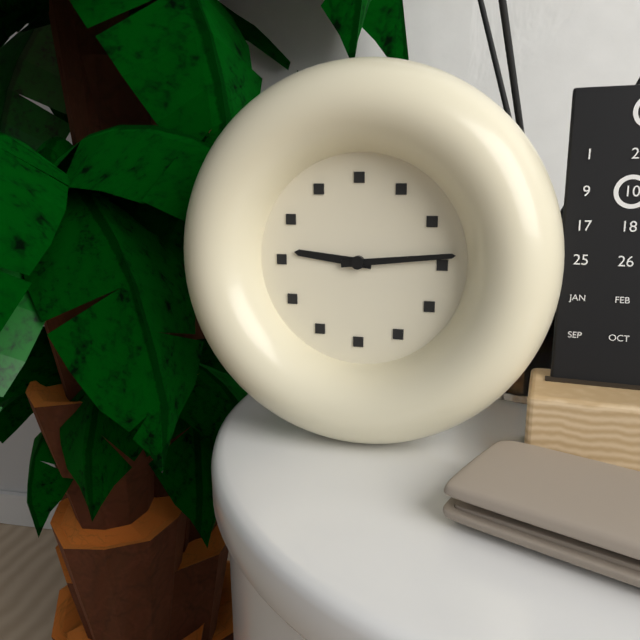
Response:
h=9 m=14
